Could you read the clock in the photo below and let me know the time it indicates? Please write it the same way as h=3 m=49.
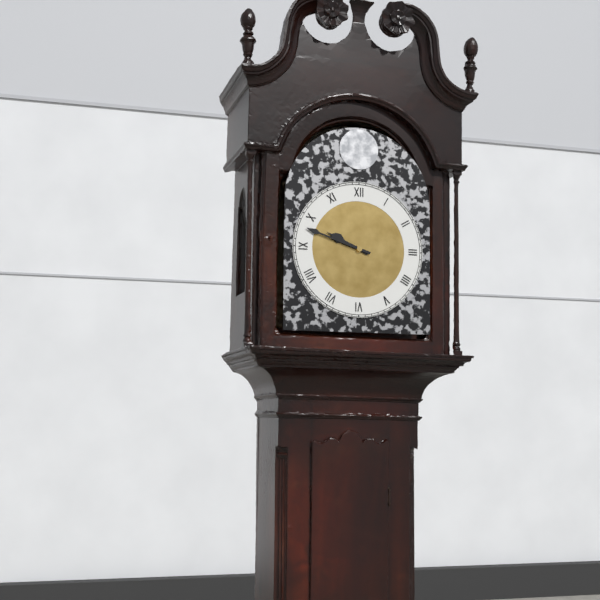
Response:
h=9 m=48
